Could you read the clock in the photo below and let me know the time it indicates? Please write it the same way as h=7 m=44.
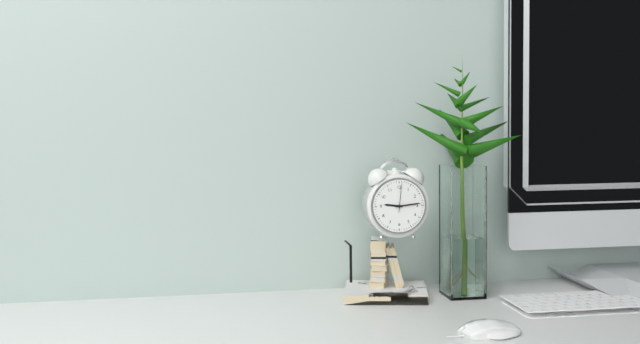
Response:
h=9 m=14
